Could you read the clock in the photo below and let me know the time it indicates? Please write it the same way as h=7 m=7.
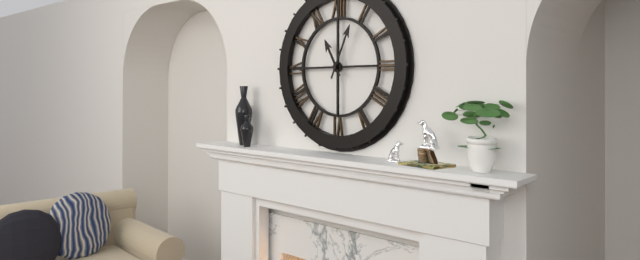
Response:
h=11 m=4
